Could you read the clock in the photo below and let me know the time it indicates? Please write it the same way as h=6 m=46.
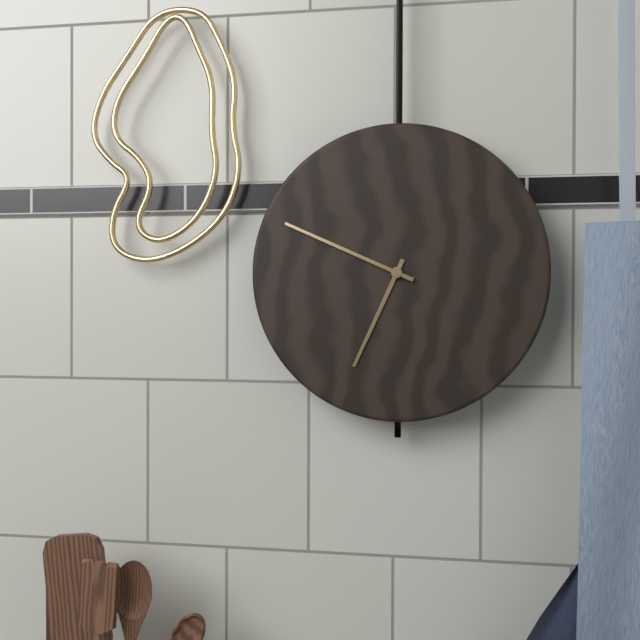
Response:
h=6 m=49
